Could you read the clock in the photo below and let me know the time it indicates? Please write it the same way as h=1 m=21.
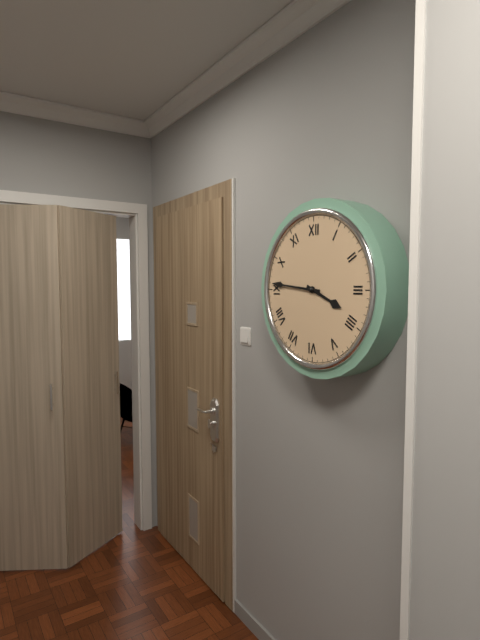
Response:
h=3 m=46
